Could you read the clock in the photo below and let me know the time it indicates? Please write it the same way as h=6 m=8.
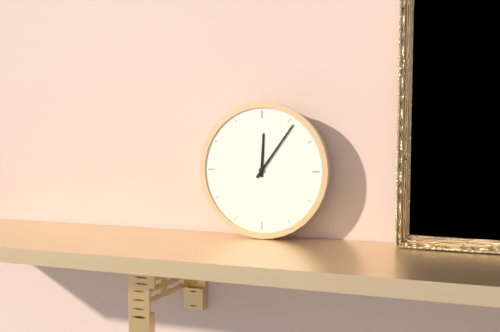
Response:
h=12 m=6
